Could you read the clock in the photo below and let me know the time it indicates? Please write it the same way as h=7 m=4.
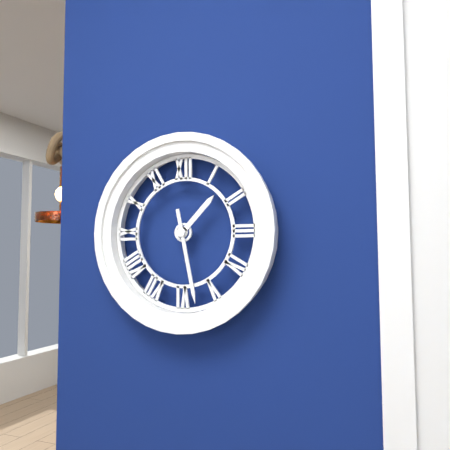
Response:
h=1 m=28
